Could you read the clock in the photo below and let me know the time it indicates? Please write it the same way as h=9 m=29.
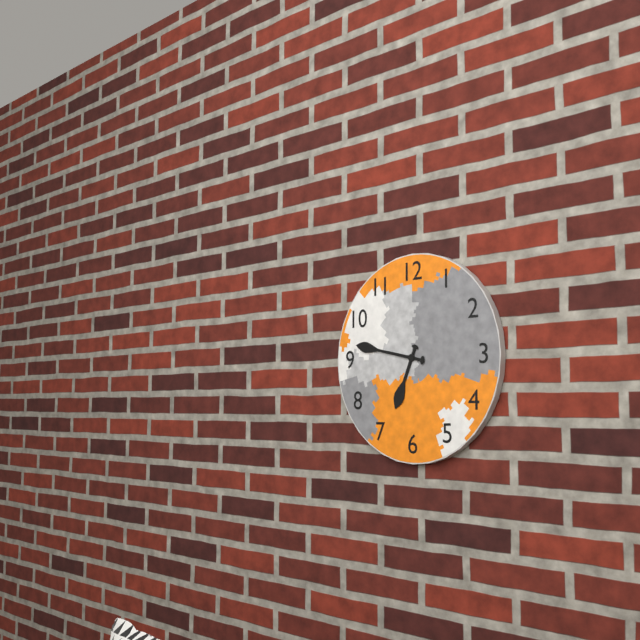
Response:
h=6 m=47
